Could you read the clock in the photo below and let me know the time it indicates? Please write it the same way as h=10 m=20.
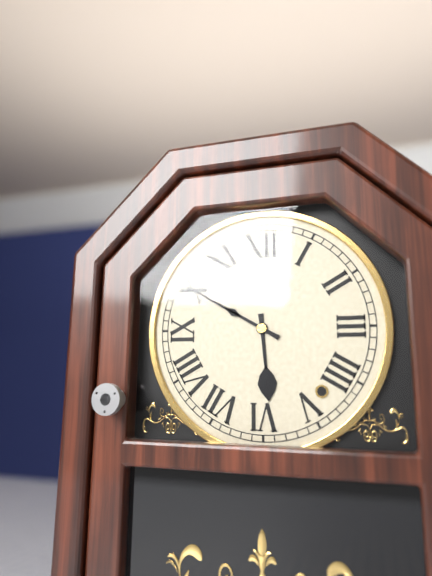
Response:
h=5 m=50
